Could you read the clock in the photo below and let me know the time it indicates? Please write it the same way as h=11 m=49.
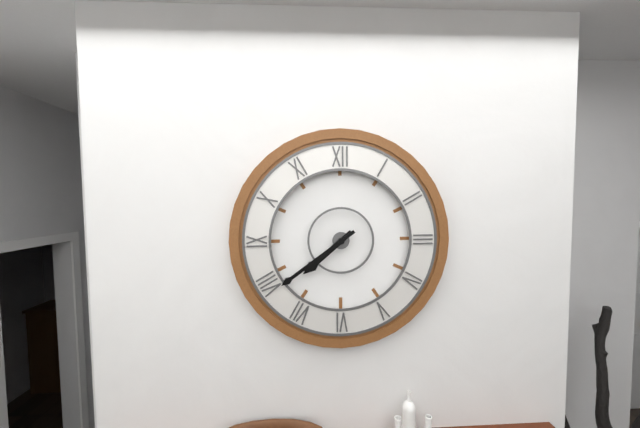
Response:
h=7 m=39
